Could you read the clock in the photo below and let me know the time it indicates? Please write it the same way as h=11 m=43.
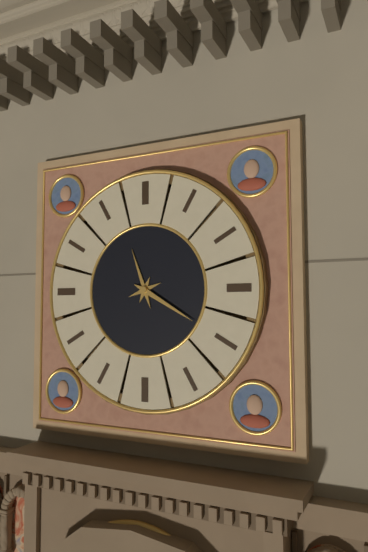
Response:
h=11 m=20
